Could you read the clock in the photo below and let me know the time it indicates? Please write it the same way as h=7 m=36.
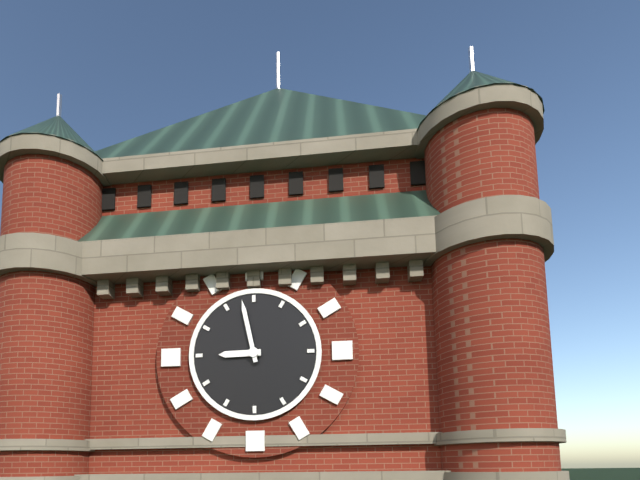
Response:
h=8 m=58
